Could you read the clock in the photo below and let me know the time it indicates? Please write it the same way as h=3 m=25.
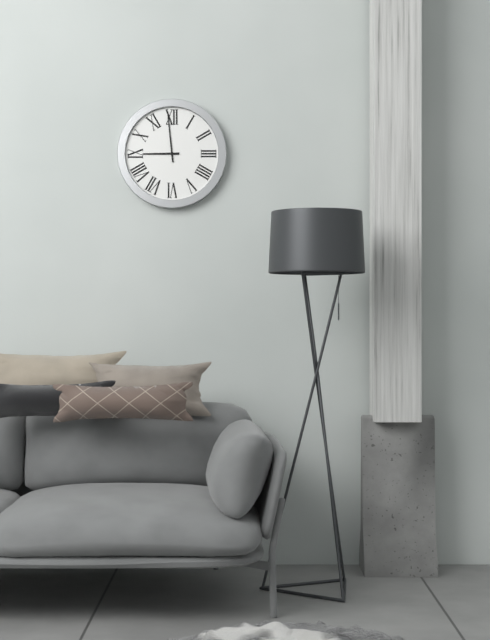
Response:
h=8 m=59
